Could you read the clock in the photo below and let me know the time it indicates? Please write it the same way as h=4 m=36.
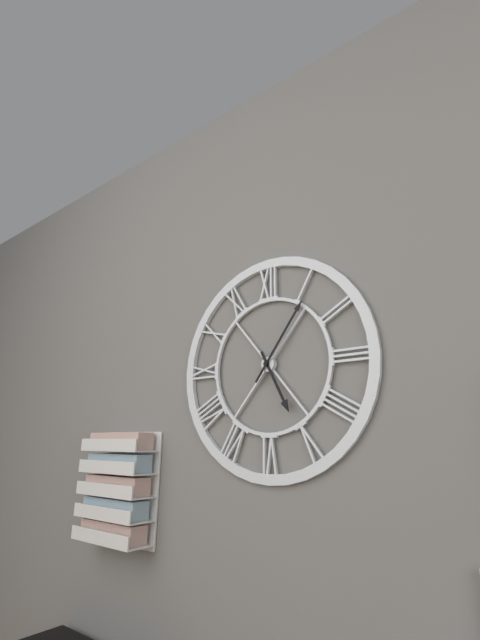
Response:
h=5 m=6
